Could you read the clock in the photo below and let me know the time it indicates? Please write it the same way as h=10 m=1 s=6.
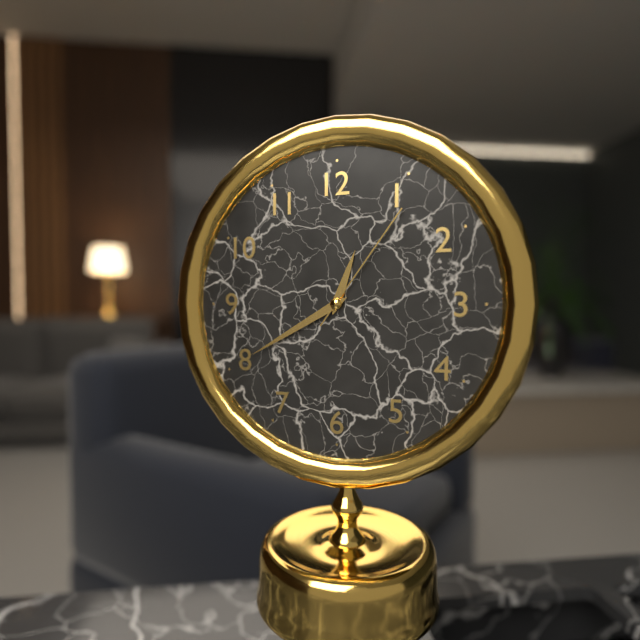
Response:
h=12 m=40 s=6
